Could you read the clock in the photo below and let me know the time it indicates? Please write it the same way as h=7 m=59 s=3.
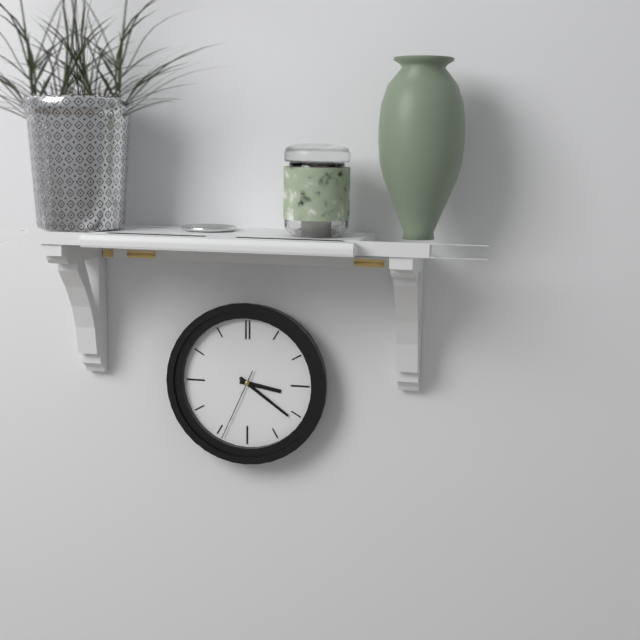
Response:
h=3 m=21 s=34
